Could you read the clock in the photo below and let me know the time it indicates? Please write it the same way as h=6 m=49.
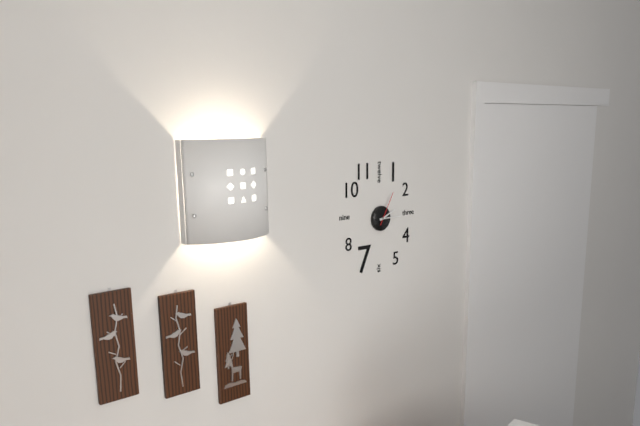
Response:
h=2 m=15
